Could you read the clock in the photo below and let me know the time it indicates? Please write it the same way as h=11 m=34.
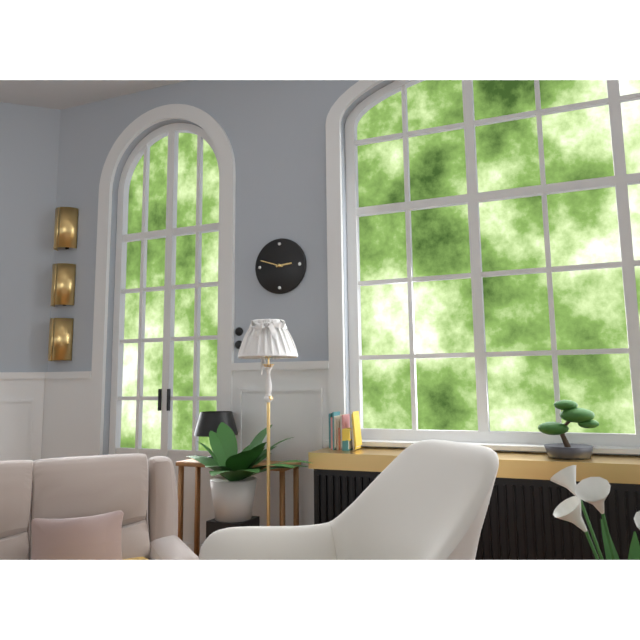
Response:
h=2 m=48
